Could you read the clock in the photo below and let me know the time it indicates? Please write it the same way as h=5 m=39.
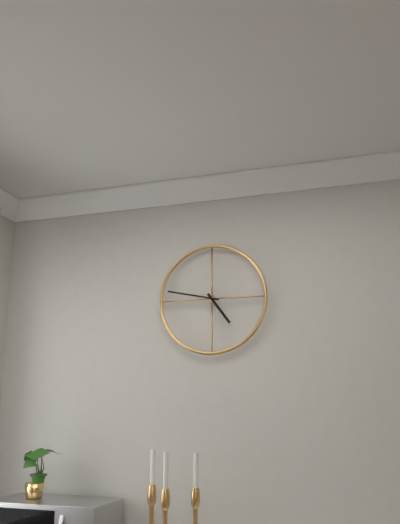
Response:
h=4 m=47
